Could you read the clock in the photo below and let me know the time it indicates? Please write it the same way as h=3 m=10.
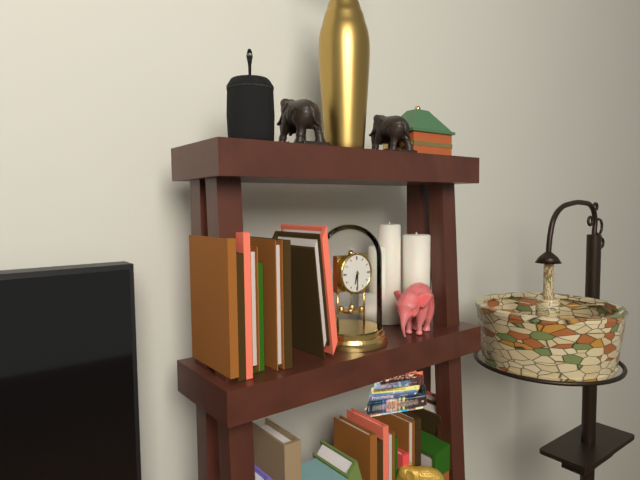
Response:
h=6 m=30
